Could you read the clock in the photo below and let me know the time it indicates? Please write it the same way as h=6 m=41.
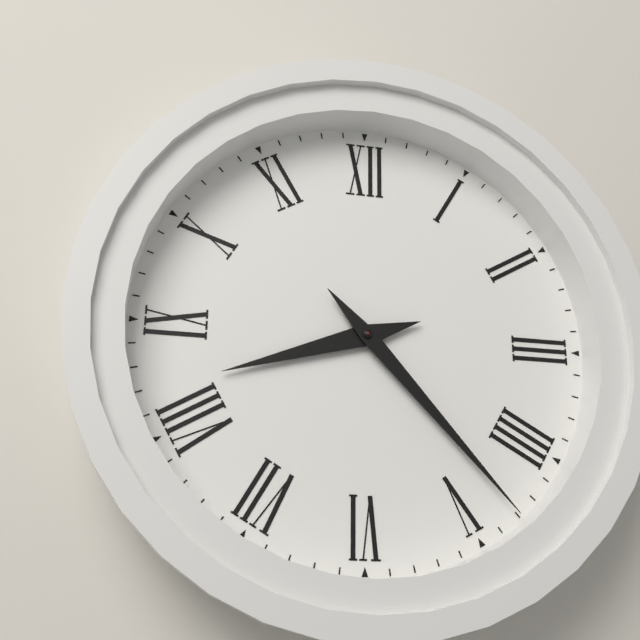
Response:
h=8 m=23
